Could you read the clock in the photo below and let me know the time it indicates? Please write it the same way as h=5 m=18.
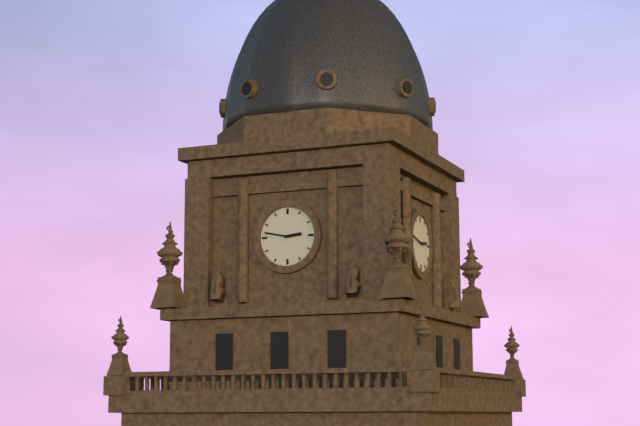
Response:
h=2 m=47
